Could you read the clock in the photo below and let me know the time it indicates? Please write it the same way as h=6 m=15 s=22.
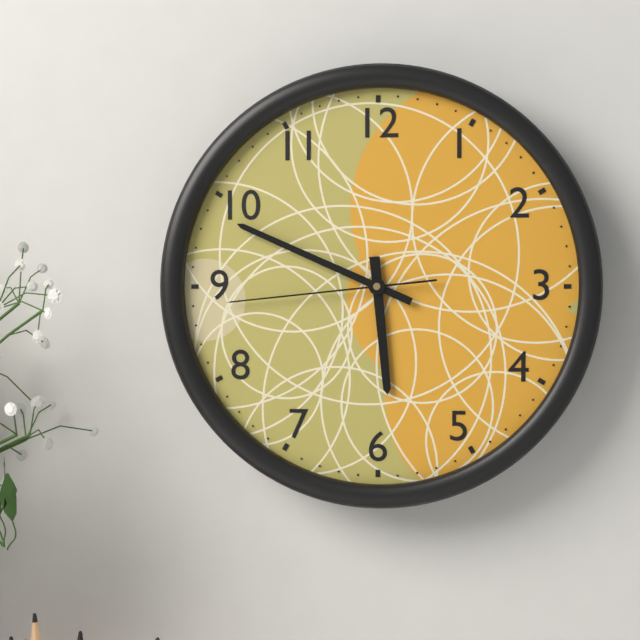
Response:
h=5 m=49 s=44
